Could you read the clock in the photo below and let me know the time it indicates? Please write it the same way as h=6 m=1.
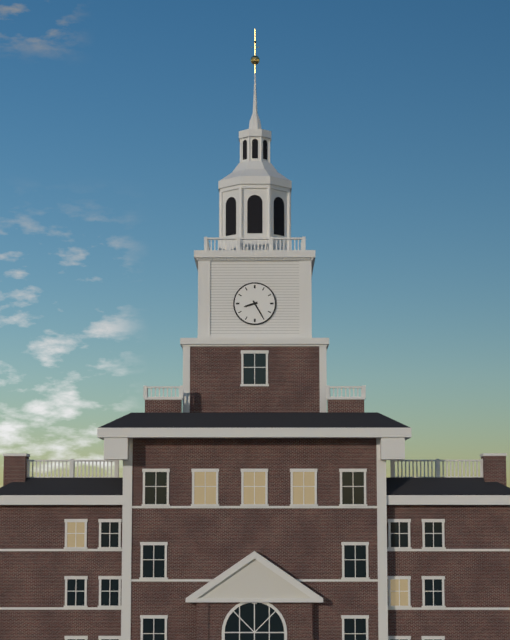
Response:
h=8 m=25
